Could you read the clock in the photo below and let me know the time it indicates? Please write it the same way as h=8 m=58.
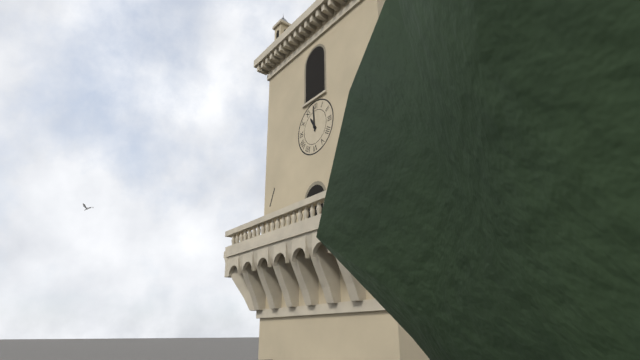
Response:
h=10 m=59
